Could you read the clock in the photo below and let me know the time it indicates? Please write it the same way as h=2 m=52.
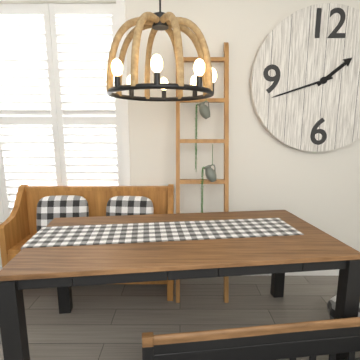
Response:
h=1 m=42
